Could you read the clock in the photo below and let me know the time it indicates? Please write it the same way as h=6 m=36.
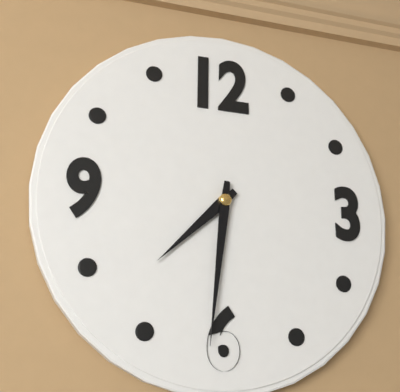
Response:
h=7 m=31
